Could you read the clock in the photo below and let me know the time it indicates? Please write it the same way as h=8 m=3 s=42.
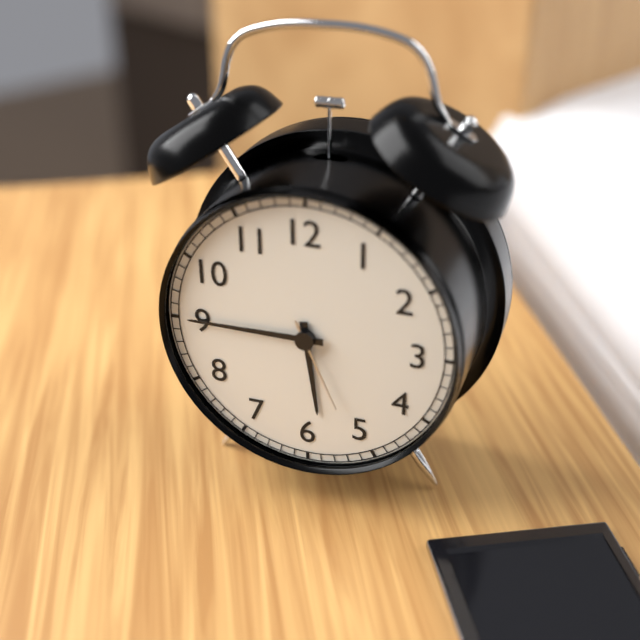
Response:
h=5 m=45 s=26
